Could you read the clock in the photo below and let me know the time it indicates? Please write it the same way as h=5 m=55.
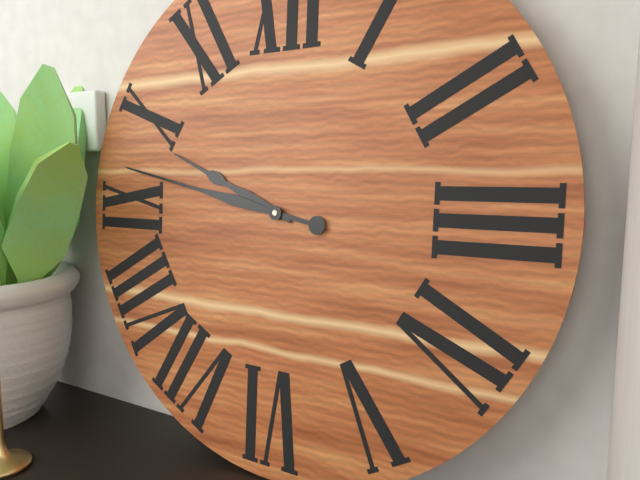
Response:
h=9 m=47
